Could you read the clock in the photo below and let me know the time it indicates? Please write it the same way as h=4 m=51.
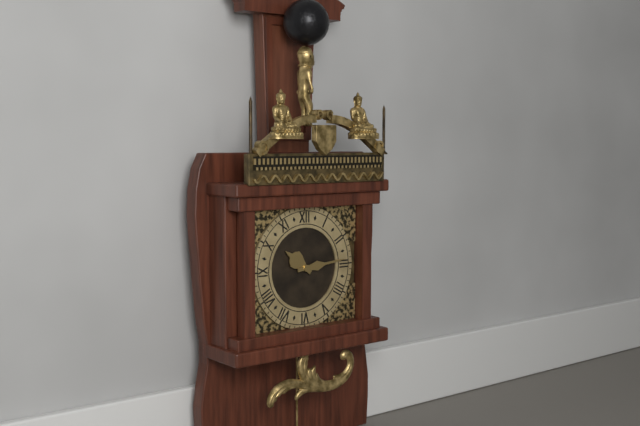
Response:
h=10 m=14
